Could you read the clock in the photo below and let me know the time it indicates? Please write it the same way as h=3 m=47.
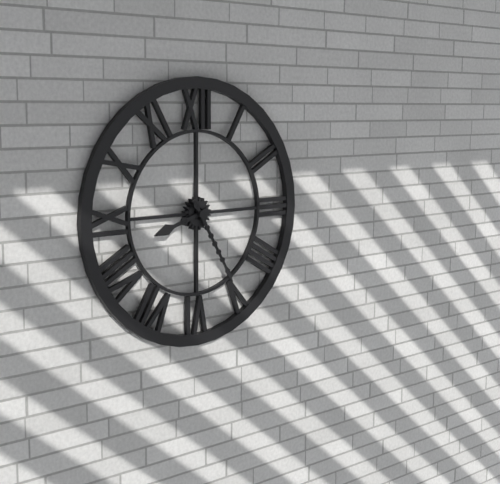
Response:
h=8 m=25
